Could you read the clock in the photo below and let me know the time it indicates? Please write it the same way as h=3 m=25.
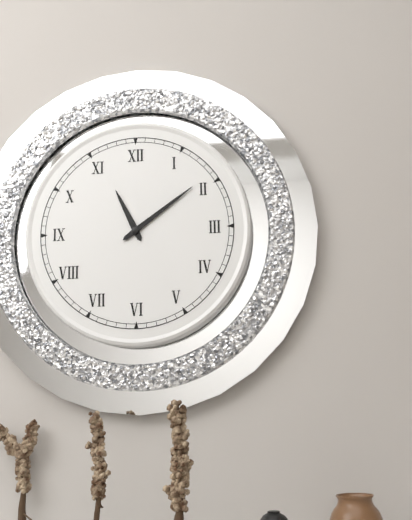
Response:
h=11 m=9
